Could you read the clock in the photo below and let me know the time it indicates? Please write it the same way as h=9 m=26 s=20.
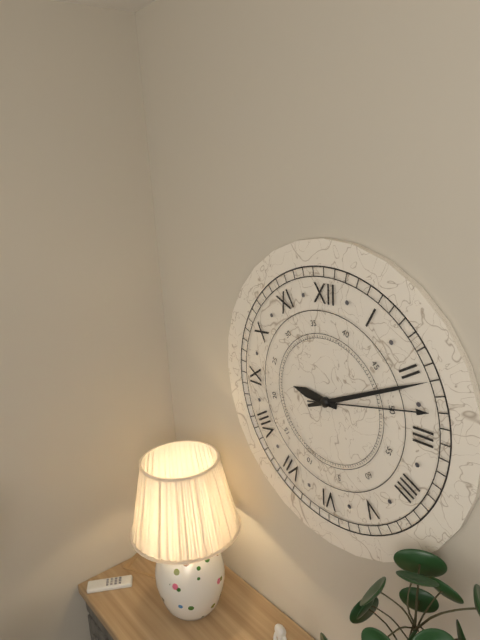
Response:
h=9 m=11 s=13
